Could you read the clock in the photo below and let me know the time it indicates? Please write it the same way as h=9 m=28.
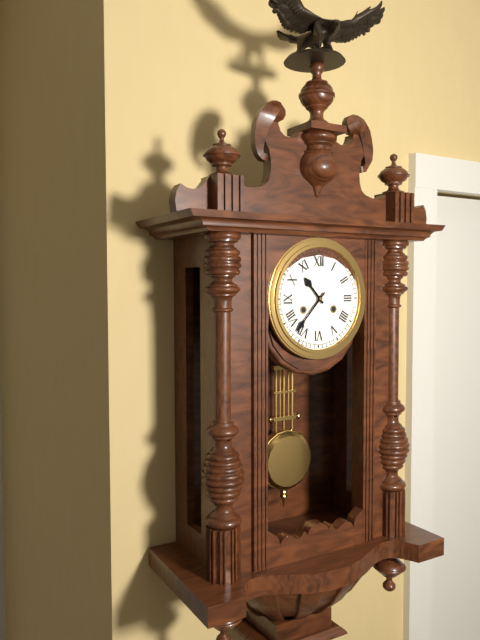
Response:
h=10 m=37
